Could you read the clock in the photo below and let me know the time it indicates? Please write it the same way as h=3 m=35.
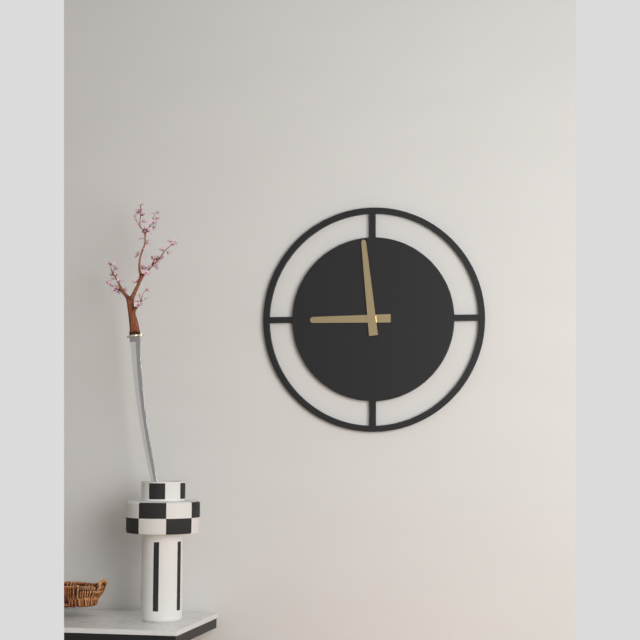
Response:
h=8 m=59
